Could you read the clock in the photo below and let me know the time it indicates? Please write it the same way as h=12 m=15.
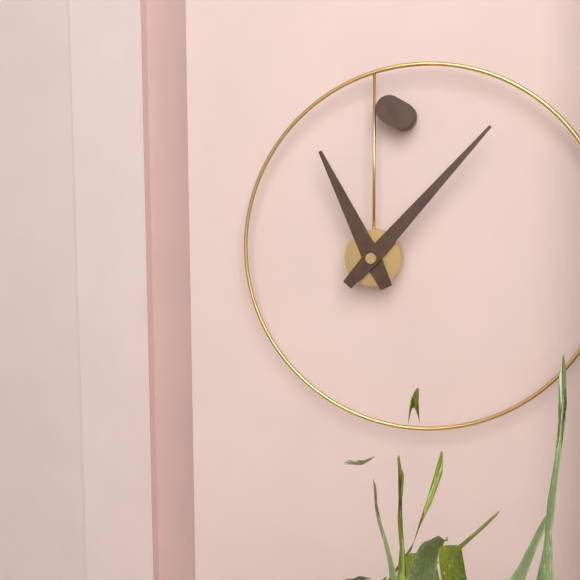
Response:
h=11 m=7
